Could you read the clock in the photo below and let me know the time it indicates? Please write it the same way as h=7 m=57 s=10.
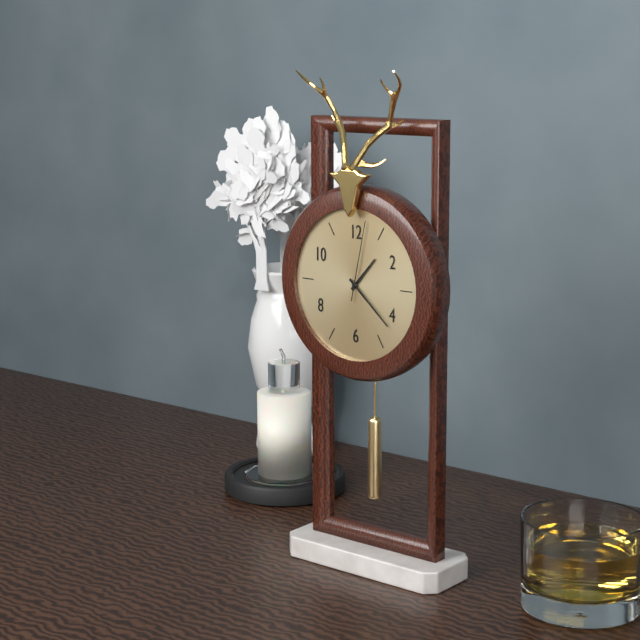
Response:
h=1 m=22 s=2
